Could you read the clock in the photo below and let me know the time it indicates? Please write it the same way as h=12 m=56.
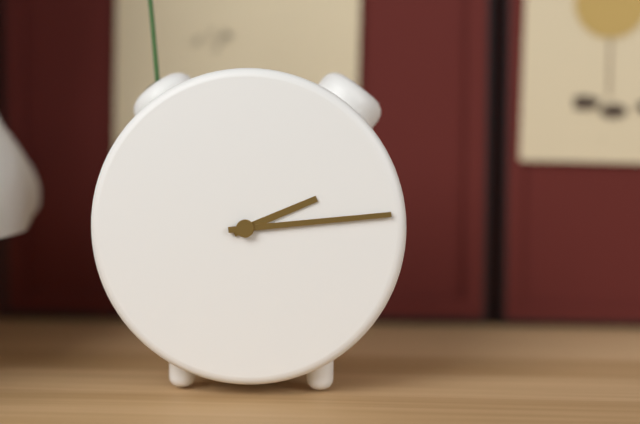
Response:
h=2 m=14
